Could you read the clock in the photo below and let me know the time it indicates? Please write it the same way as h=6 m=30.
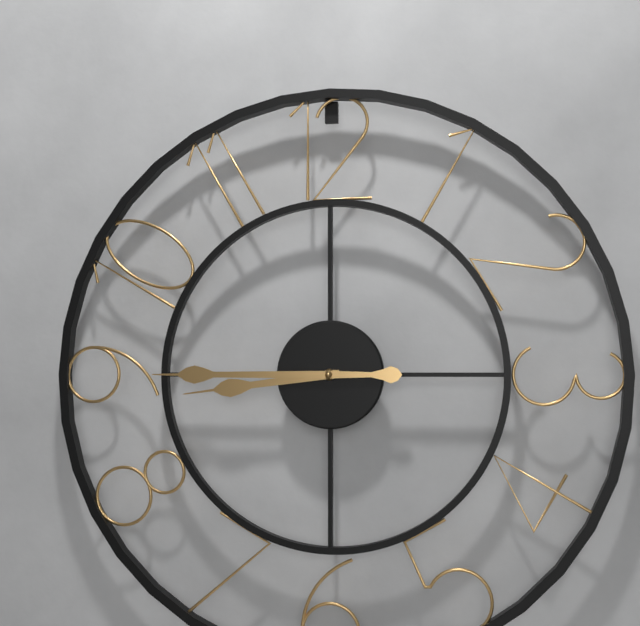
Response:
h=8 m=45
